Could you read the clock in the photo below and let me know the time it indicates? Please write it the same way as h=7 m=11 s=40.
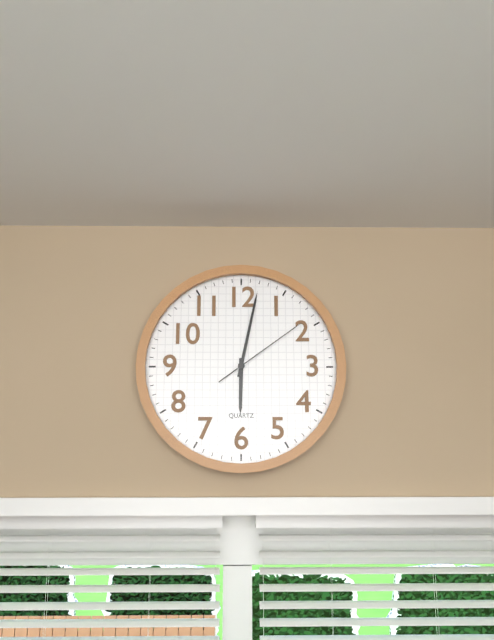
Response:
h=6 m=2 s=9
